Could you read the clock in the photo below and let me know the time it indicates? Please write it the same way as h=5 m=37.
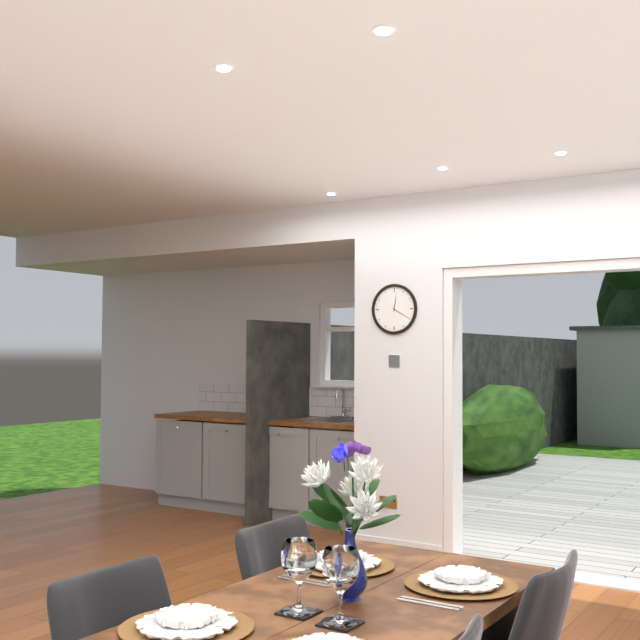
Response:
h=12 m=20
